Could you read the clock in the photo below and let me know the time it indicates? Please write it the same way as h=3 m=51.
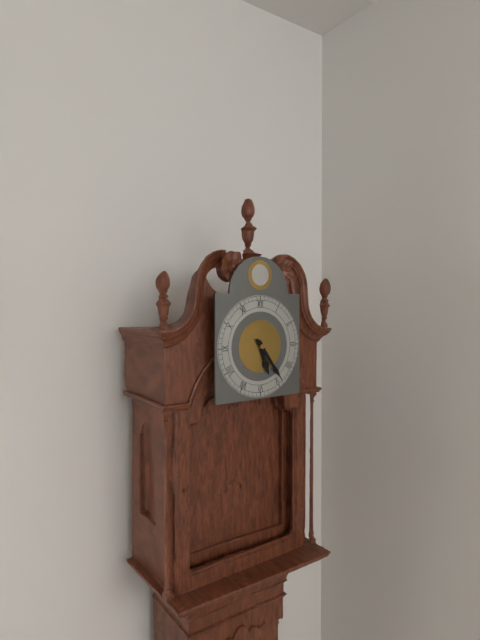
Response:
h=5 m=24
